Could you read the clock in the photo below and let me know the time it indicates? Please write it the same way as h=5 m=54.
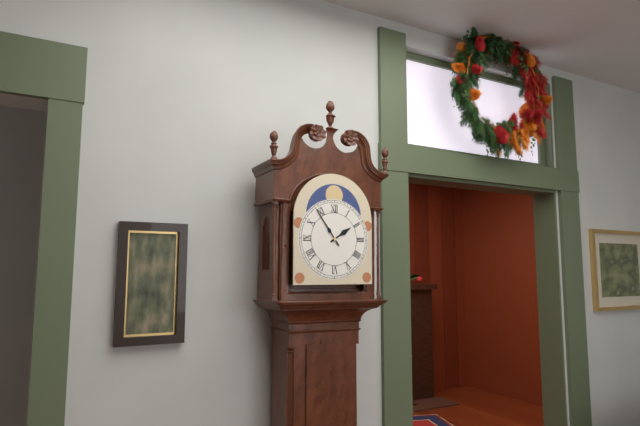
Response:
h=1 m=54
